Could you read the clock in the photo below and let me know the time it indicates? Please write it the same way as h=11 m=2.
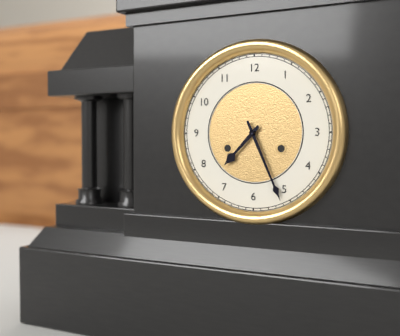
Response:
h=7 m=26
